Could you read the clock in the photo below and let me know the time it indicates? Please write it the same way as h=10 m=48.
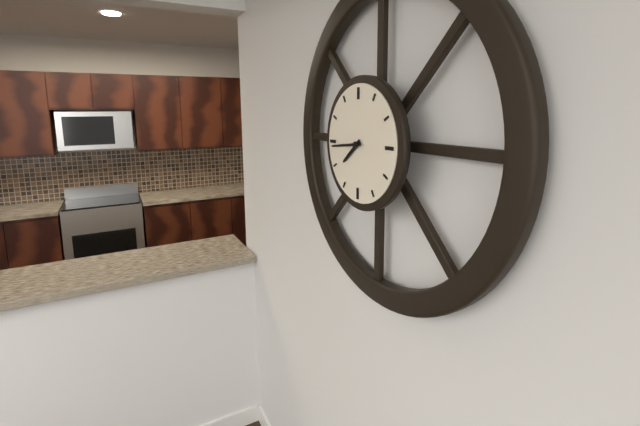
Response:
h=7 m=44
